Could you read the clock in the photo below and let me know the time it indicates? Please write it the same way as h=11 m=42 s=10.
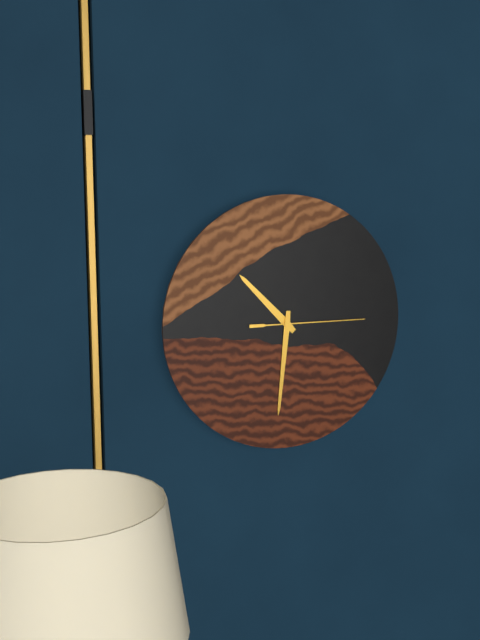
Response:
h=10 m=31 s=15
